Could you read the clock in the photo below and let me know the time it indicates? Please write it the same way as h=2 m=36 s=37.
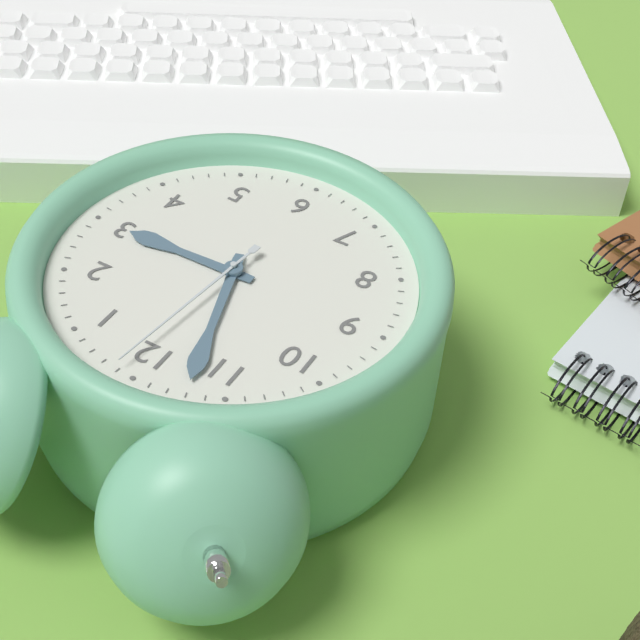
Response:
h=2 m=57 s=1
